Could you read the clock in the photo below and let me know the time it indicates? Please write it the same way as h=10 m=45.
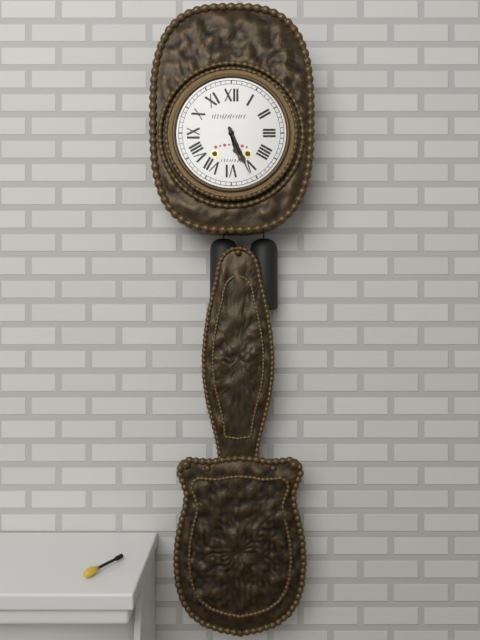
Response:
h=5 m=26
